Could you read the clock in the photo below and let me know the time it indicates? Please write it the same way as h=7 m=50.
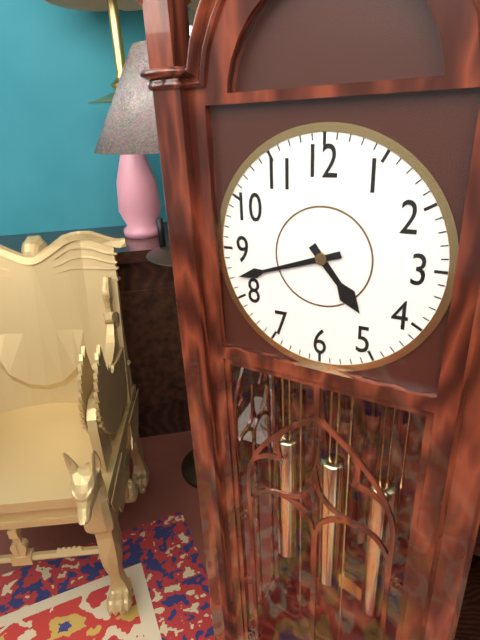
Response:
h=4 m=42
